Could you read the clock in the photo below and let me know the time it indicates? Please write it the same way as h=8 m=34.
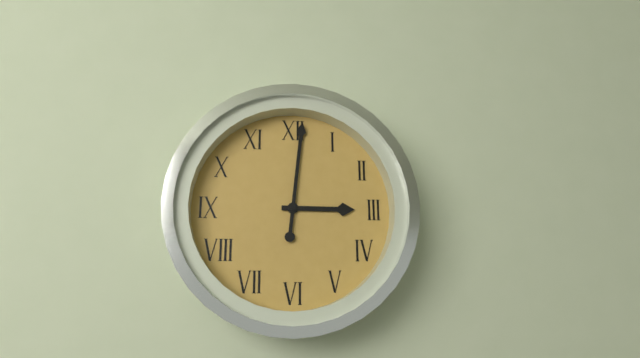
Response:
h=3 m=1
